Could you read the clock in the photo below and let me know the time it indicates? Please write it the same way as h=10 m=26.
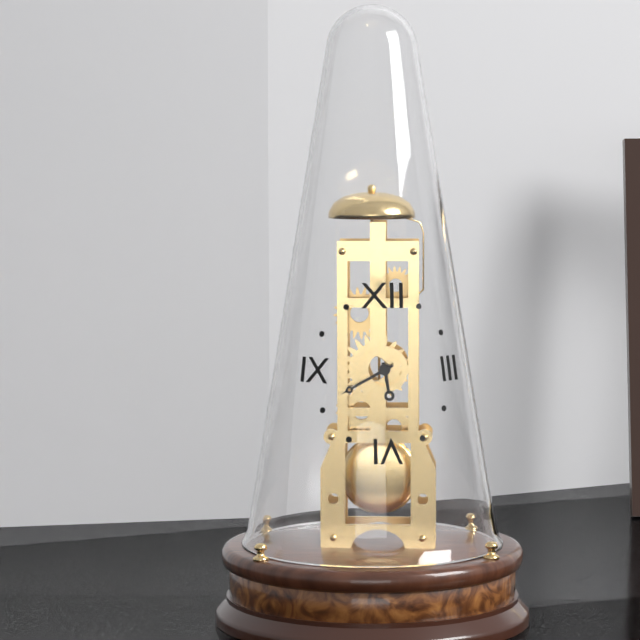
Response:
h=5 m=40
